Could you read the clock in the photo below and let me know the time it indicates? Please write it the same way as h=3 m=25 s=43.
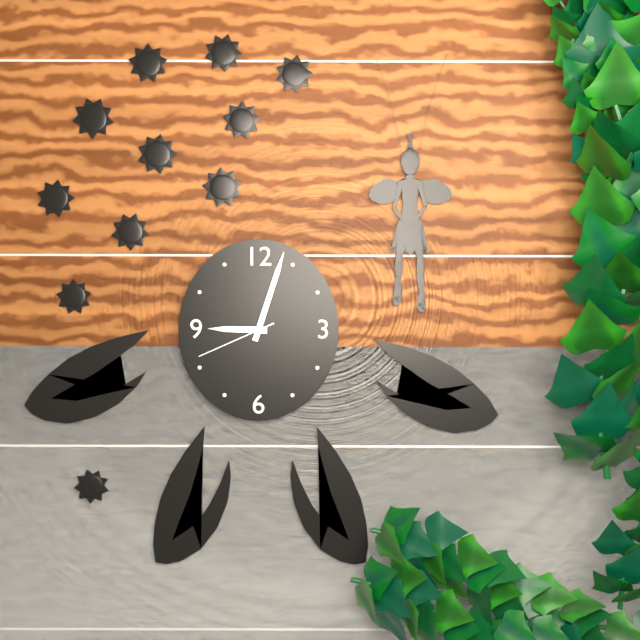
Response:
h=9 m=3 s=41
